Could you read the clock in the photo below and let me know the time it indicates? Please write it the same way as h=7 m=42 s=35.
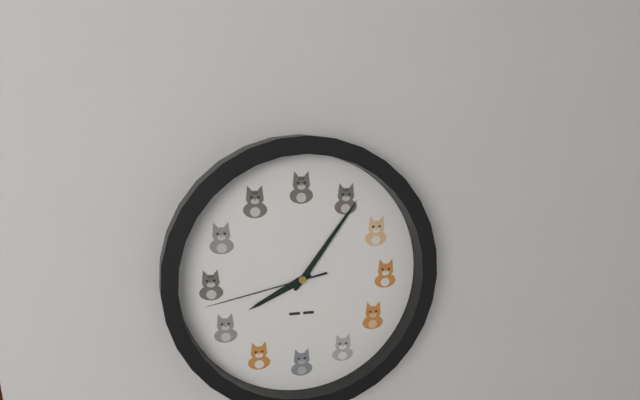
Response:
h=8 m=6 s=43
